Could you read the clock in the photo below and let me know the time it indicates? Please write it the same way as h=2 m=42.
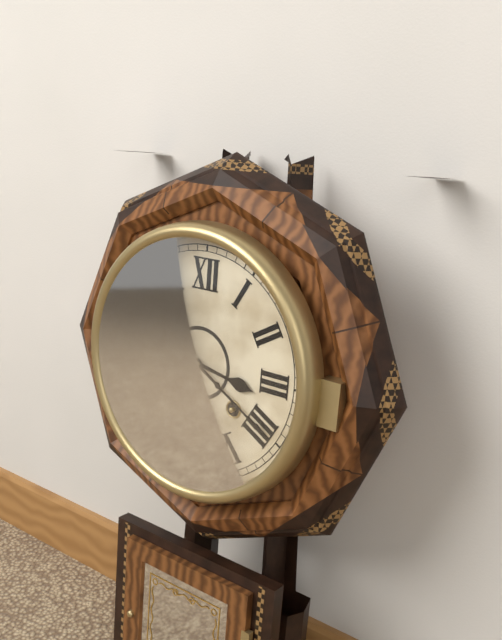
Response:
h=3 m=20
